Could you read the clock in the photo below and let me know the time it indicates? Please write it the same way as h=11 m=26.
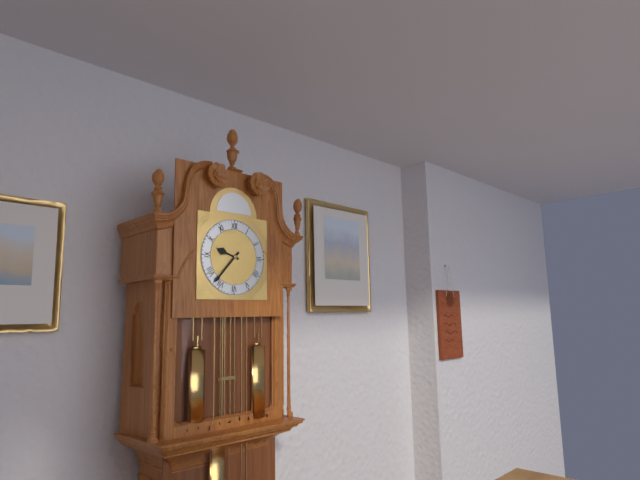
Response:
h=9 m=37
